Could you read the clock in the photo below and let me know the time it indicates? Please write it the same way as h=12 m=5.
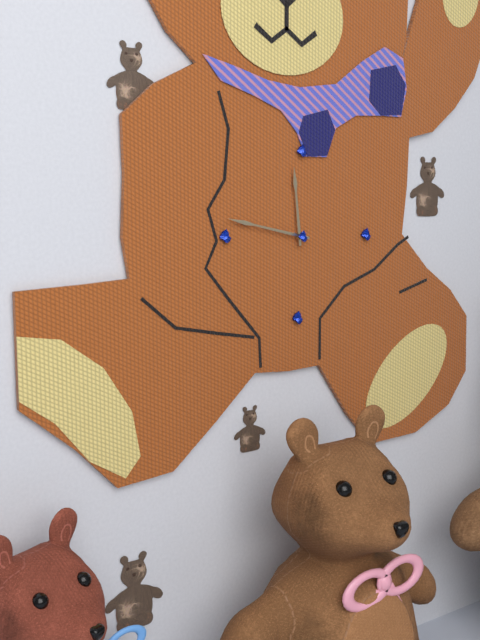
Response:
h=11 m=47
